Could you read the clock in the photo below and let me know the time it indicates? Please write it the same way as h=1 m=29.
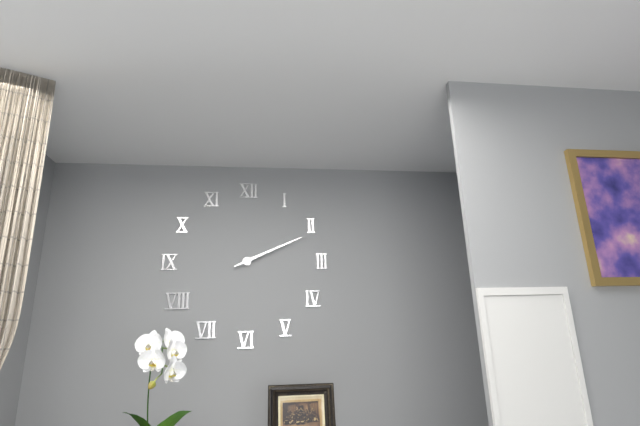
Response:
h=2 m=11
